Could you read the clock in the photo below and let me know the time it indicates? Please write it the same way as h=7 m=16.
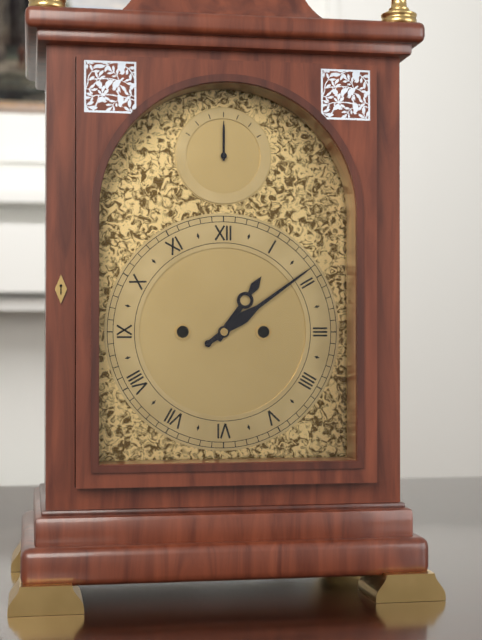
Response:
h=1 m=9
